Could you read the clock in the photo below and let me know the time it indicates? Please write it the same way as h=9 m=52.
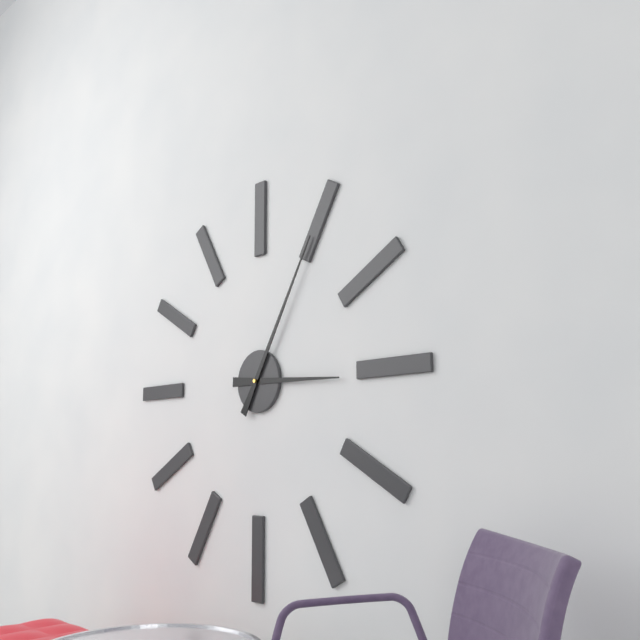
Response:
h=3 m=5
